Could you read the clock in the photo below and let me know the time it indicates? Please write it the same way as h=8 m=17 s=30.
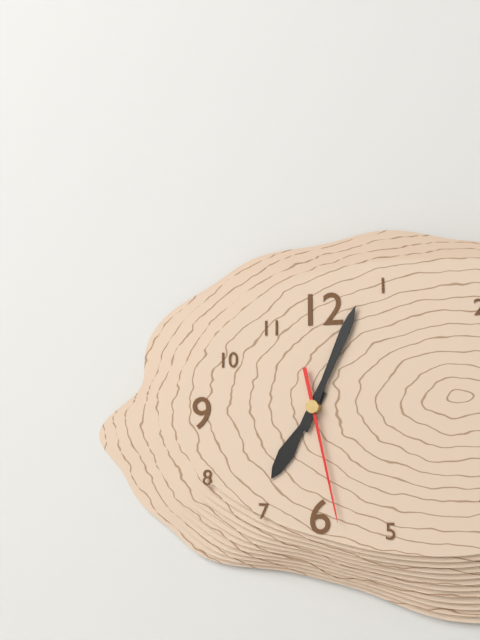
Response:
h=7 m=4 s=28
